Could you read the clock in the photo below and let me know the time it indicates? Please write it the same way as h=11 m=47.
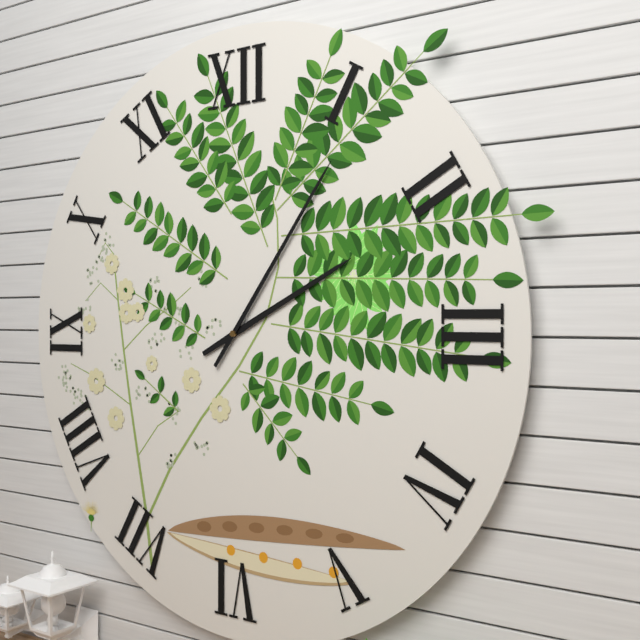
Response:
h=2 m=6
